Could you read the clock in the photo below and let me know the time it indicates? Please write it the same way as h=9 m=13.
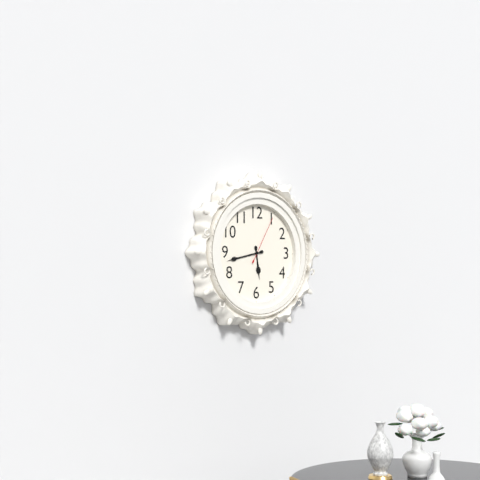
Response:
h=5 m=43
